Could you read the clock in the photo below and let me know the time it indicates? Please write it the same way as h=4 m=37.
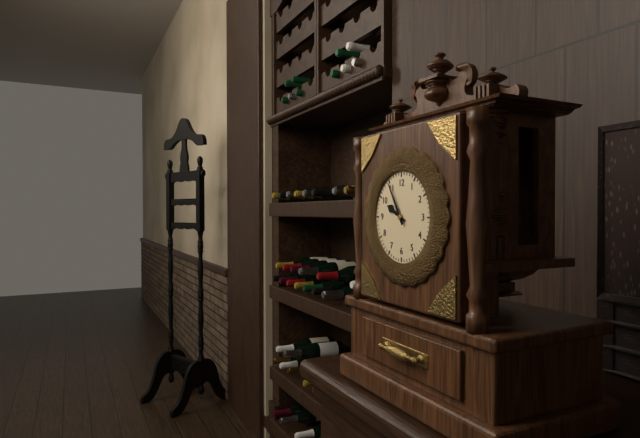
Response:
h=9 m=55
